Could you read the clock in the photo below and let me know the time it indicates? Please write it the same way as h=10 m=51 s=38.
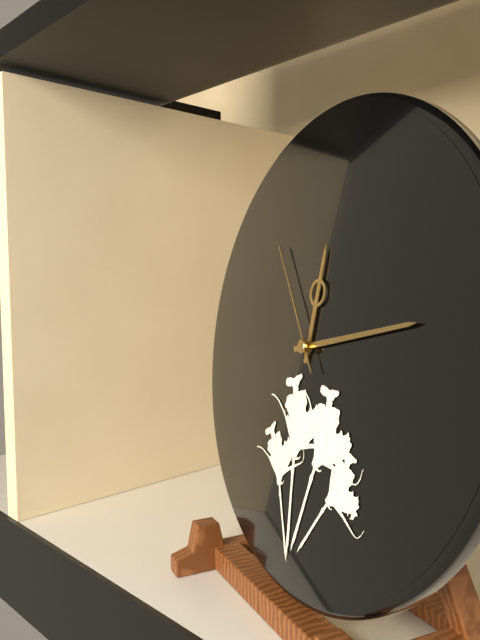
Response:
h=12 m=13 s=54
